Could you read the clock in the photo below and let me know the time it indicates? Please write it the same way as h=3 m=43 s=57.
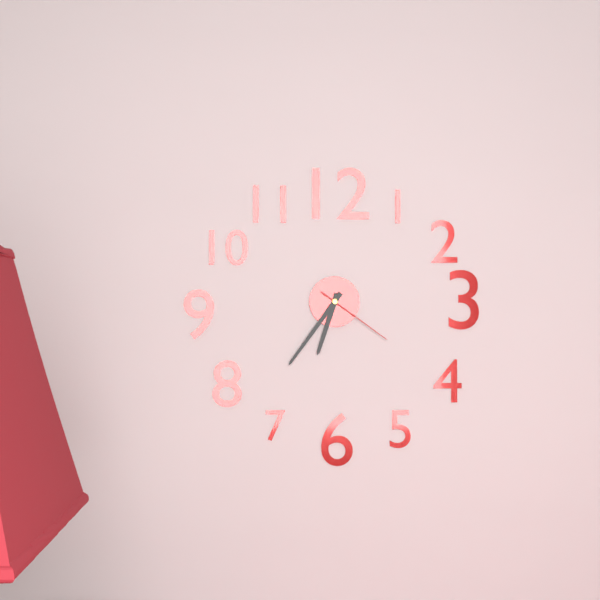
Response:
h=6 m=36 s=21
